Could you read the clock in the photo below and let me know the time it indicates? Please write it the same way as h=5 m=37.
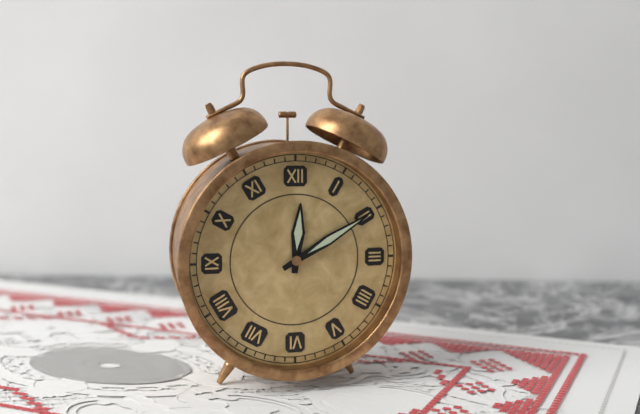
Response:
h=12 m=10
